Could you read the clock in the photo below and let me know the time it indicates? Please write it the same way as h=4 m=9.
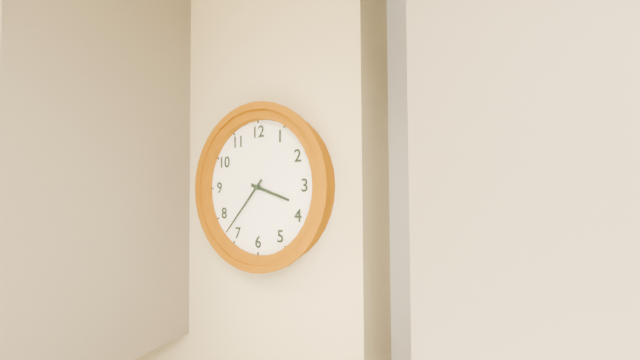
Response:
h=3 m=37
